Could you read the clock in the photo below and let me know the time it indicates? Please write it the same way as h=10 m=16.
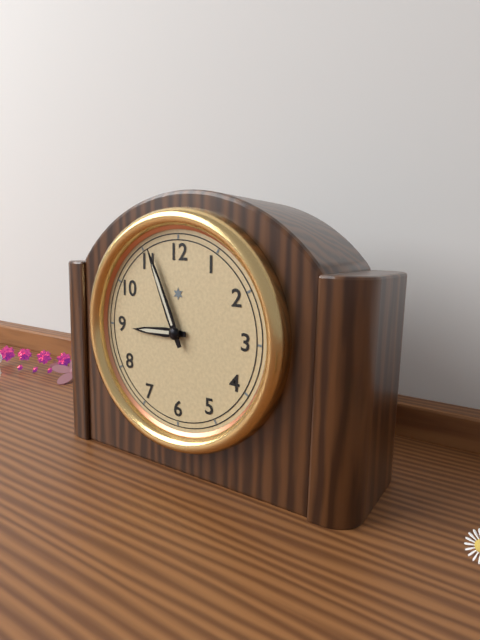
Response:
h=8 m=56
